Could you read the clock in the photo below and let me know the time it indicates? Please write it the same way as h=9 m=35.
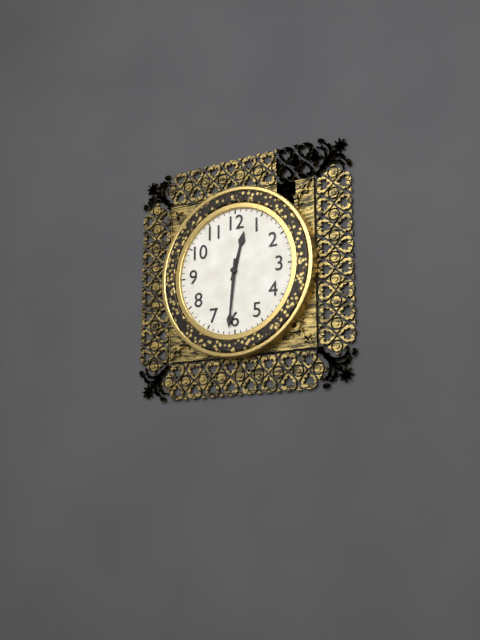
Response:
h=12 m=31
